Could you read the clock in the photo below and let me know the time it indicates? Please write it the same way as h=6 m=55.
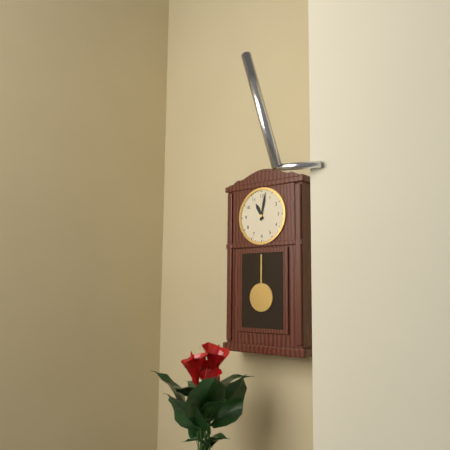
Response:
h=11 m=2
